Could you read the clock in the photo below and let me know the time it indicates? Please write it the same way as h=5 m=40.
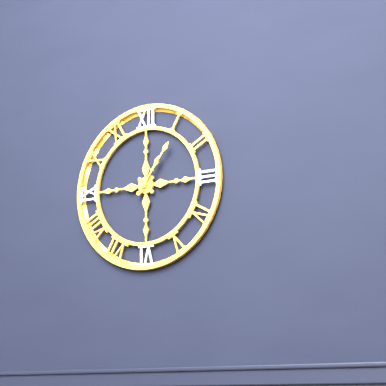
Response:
h=1 m=6
